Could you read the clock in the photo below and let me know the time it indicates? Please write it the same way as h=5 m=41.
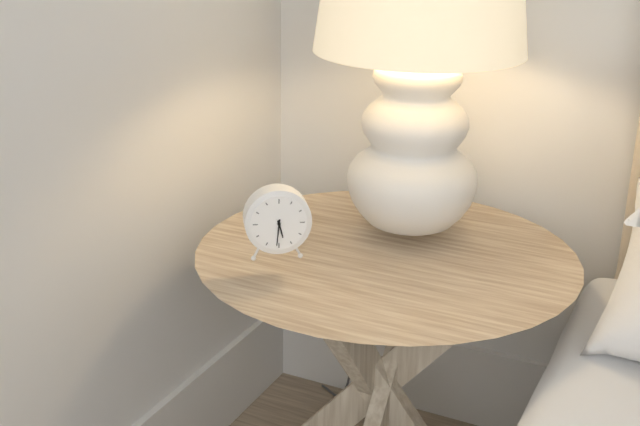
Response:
h=5 m=31
